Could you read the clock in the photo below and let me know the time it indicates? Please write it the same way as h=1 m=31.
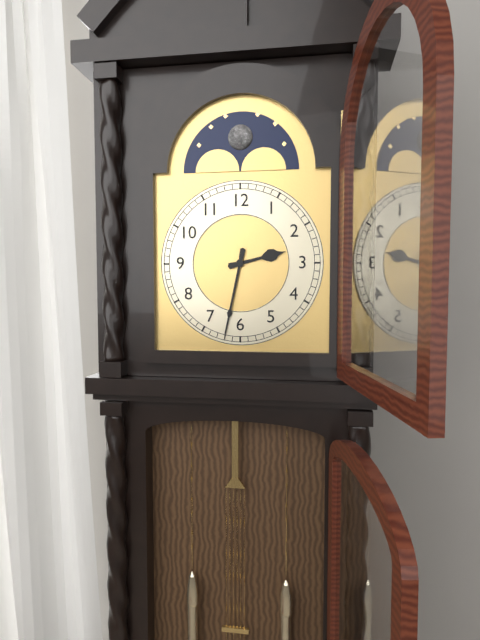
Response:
h=2 m=32
